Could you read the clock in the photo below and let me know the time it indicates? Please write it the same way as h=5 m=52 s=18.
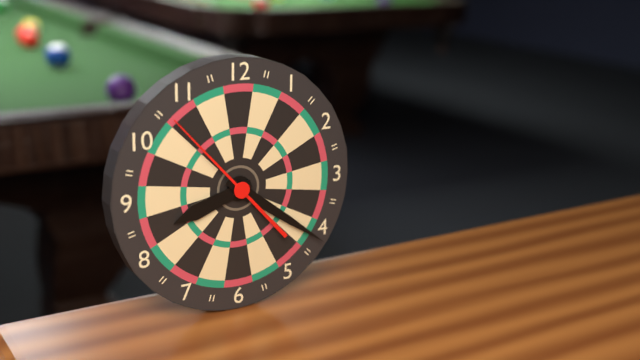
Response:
h=8 m=21 s=53
